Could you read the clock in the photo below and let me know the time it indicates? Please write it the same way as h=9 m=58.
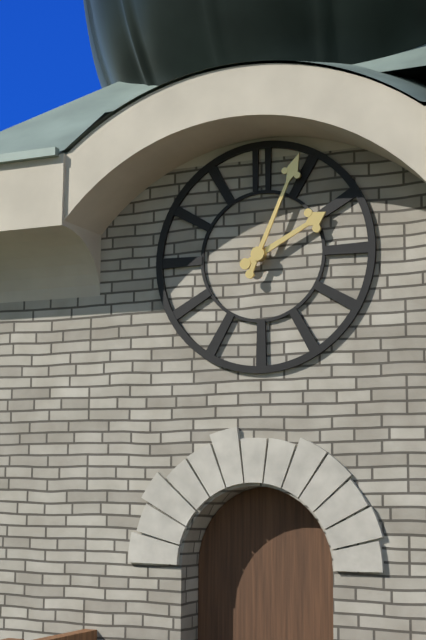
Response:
h=2 m=4
